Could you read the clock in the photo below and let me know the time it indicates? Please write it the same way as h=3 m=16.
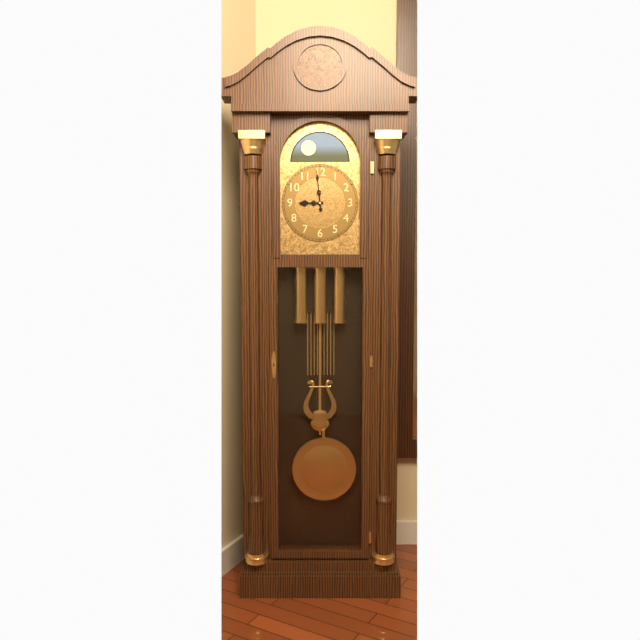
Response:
h=8 m=59
